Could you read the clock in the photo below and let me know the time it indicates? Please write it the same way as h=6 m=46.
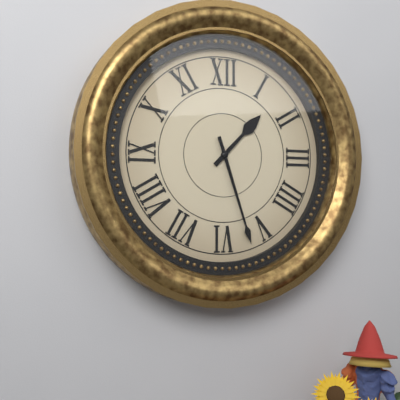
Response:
h=1 m=27
